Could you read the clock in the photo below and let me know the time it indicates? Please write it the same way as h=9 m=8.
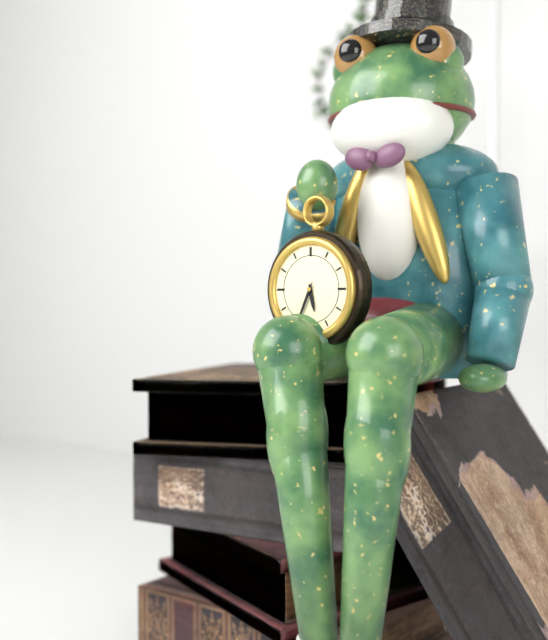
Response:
h=5 m=34
